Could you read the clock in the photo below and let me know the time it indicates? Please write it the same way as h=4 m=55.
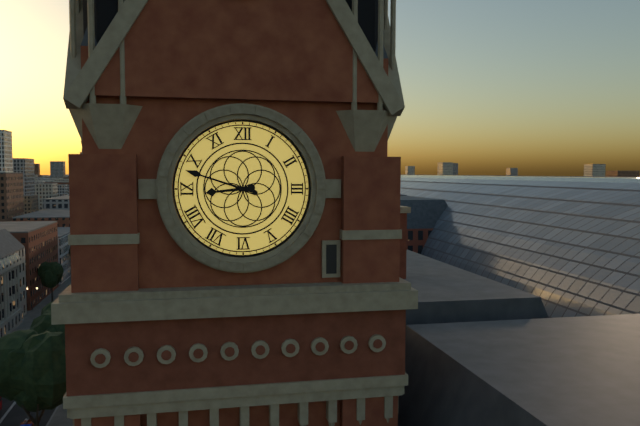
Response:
h=8 m=48
